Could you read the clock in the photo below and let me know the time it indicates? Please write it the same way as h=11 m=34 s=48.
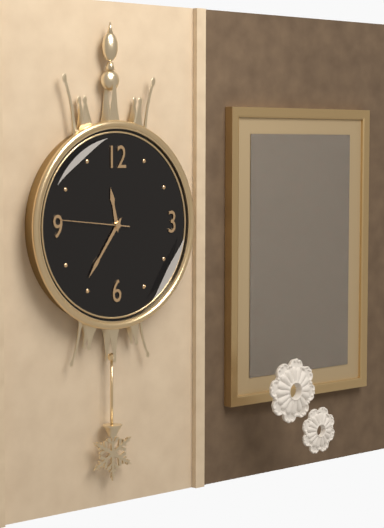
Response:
h=11 m=36 s=46
